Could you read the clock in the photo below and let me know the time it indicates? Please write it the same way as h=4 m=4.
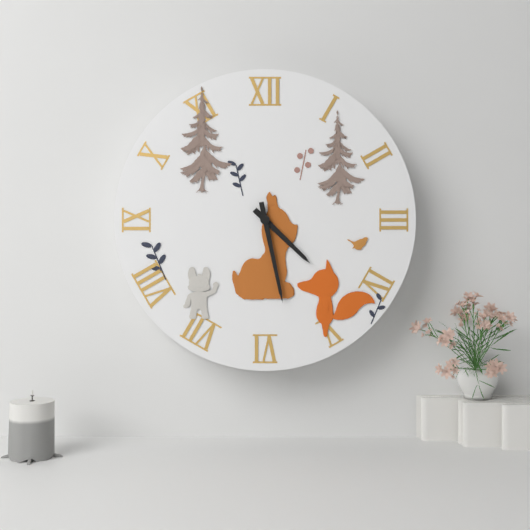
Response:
h=4 m=28
